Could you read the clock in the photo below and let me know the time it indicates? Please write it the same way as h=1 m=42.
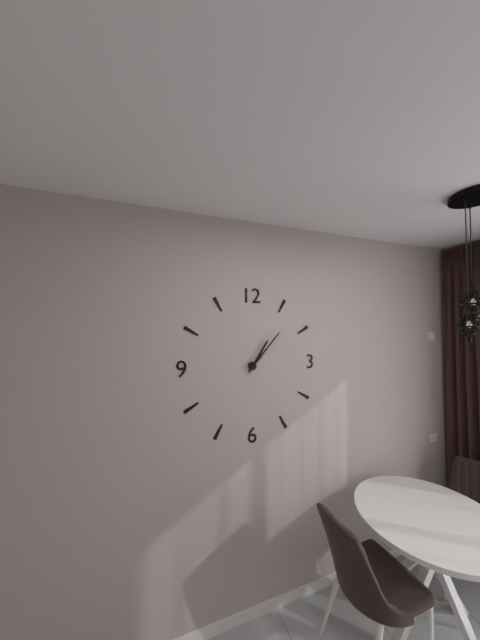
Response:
h=1 m=7
